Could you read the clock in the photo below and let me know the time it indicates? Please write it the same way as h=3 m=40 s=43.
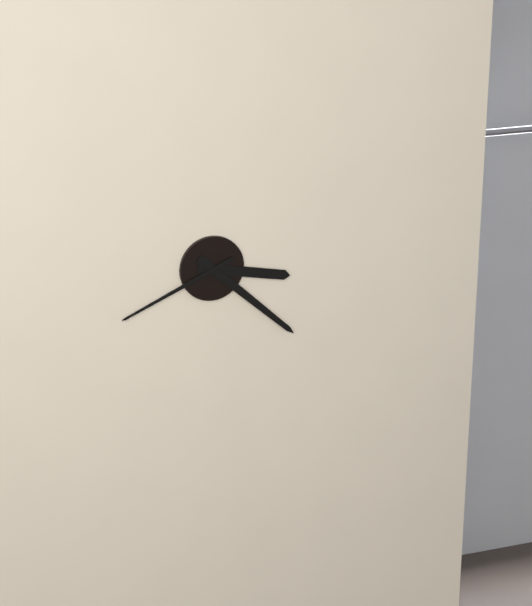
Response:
h=3 m=22 s=41
